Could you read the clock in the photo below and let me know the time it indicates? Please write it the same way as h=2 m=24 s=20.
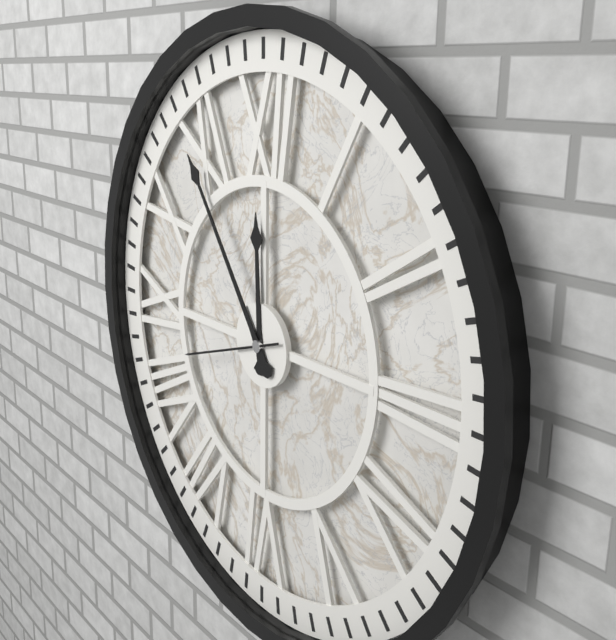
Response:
h=11 m=54 s=42
